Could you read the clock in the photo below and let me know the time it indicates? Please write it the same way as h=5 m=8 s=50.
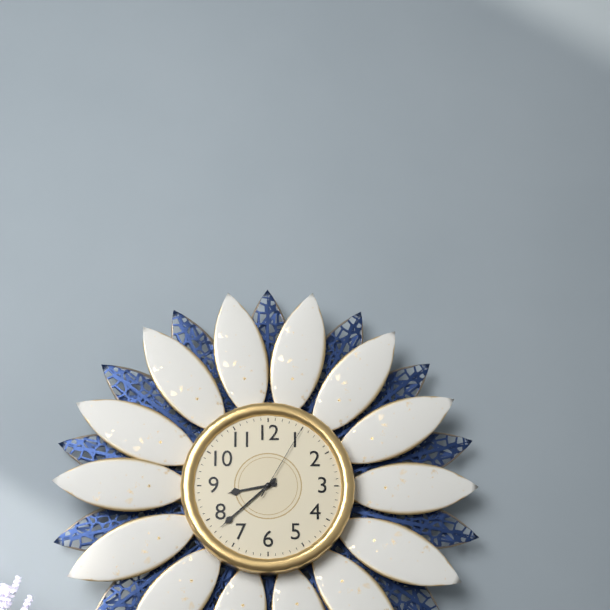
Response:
h=8 m=38 s=5
